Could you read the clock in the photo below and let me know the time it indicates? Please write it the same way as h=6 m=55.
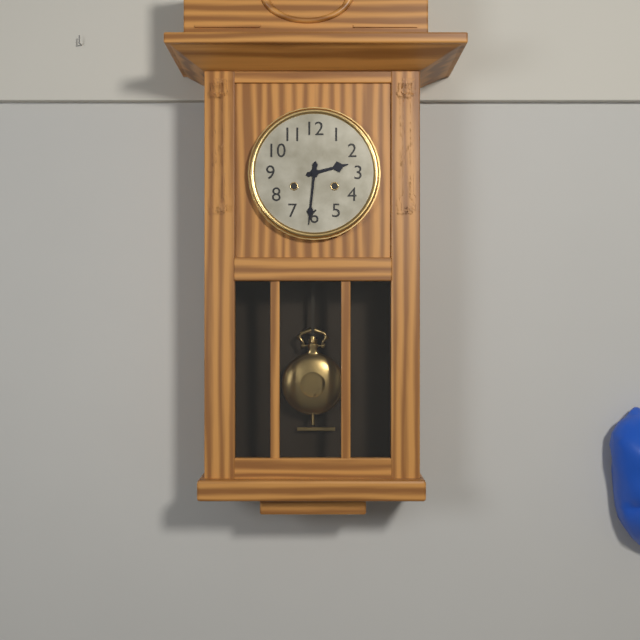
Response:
h=2 m=31
